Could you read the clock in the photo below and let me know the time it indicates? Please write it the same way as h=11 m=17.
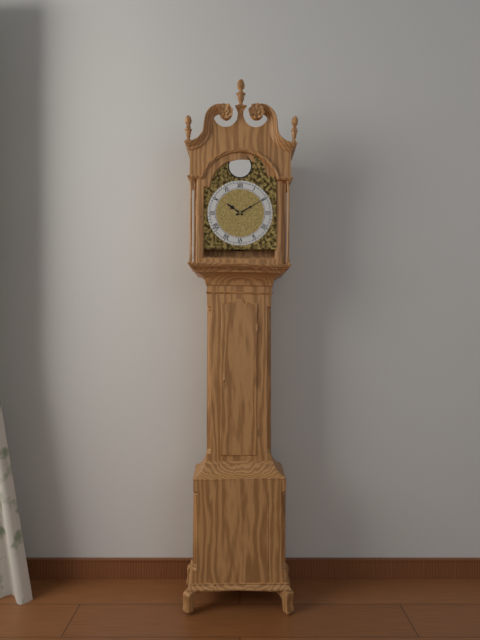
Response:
h=10 m=10
